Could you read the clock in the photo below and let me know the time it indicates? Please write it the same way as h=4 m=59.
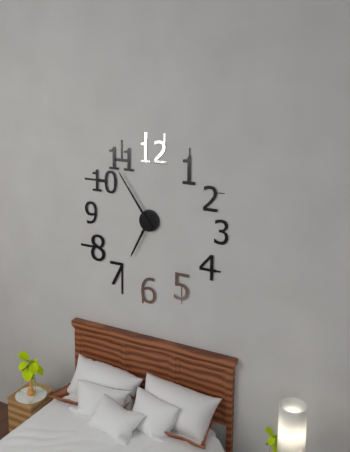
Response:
h=6 m=54
